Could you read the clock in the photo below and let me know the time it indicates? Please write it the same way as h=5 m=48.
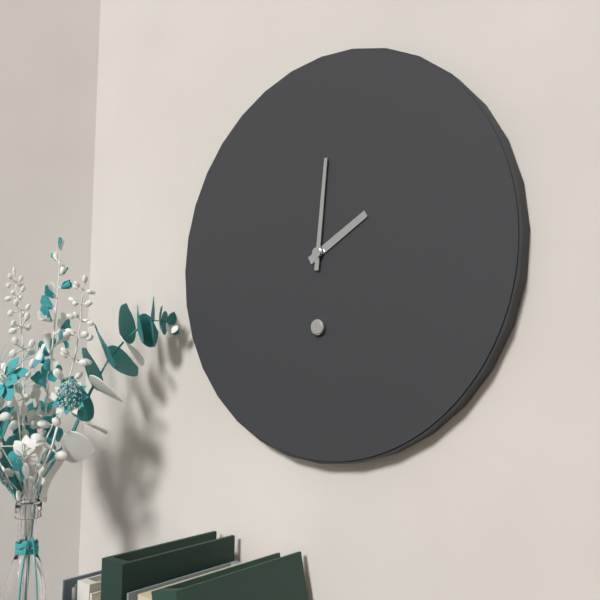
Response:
h=2 m=1
